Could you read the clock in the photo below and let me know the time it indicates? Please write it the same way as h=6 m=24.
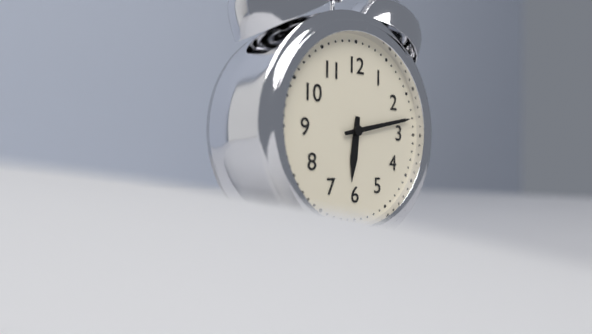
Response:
h=6 m=13
